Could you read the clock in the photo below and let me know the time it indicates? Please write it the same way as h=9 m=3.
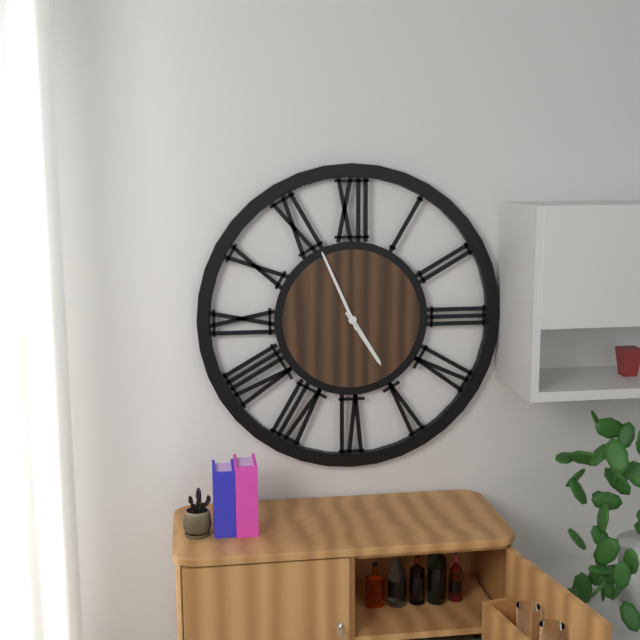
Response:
h=4 m=56
